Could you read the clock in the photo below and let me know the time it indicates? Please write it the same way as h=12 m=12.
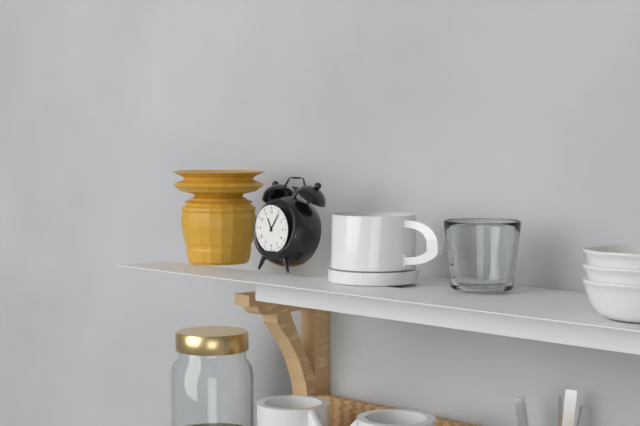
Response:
h=11 m=6
